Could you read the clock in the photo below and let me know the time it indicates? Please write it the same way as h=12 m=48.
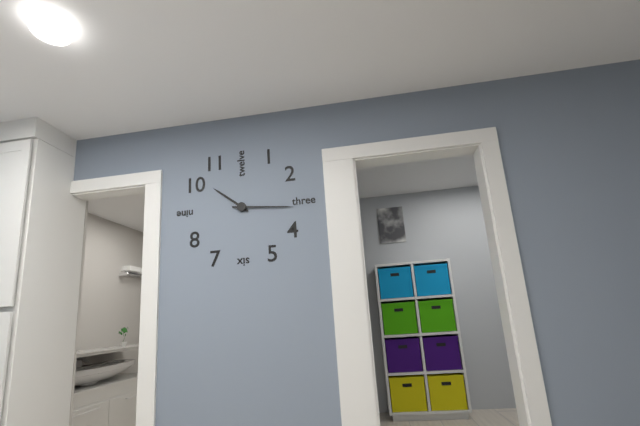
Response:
h=10 m=16
